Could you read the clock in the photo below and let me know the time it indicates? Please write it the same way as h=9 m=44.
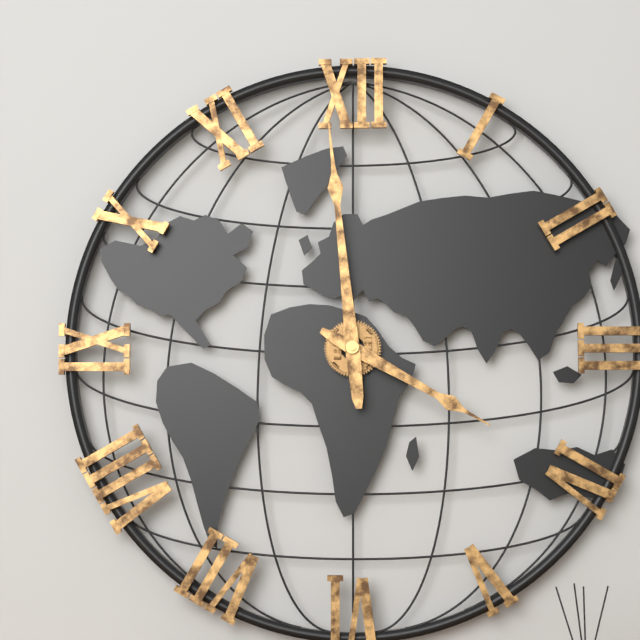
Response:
h=3 m=59
